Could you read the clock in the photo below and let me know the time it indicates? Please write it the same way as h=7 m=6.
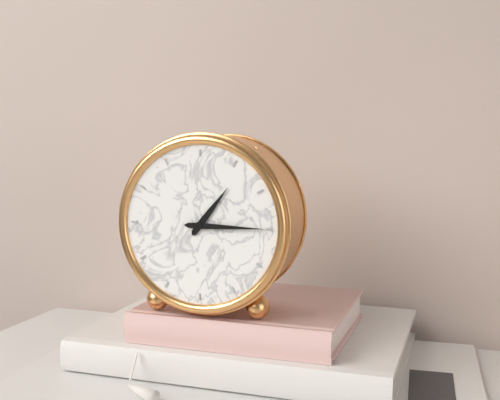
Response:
h=1 m=15
